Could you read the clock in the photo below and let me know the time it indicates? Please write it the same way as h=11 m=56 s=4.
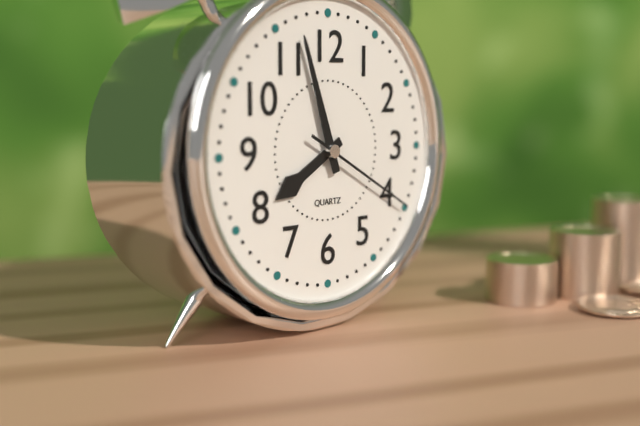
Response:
h=7 m=57 s=20
